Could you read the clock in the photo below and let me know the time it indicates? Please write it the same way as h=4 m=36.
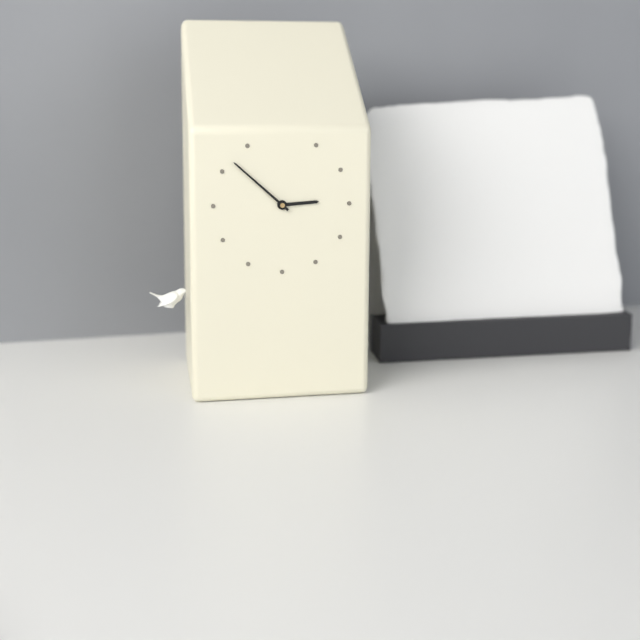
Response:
h=2 m=52
